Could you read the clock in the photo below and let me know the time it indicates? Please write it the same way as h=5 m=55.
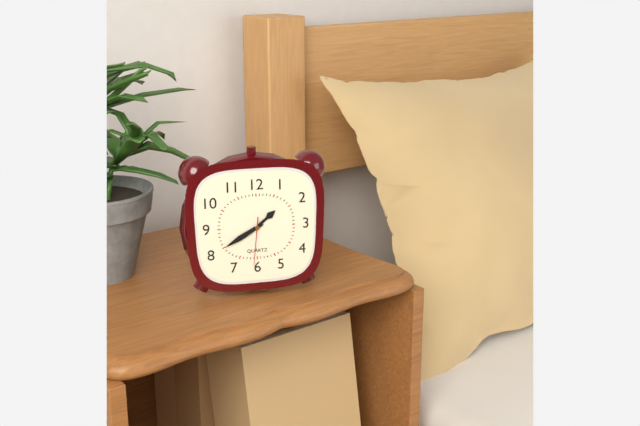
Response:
h=1 m=40
